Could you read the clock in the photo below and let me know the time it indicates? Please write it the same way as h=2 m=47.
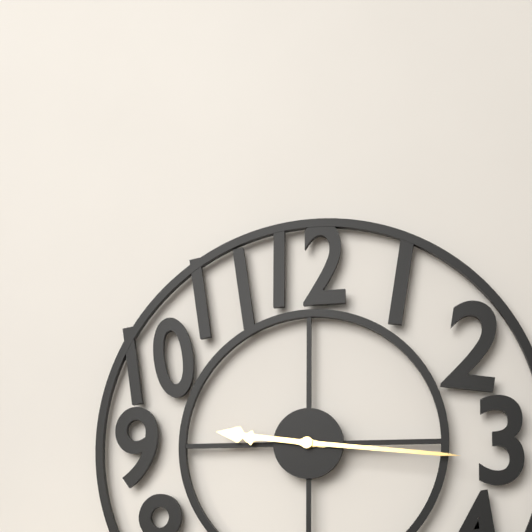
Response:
h=9 m=16
